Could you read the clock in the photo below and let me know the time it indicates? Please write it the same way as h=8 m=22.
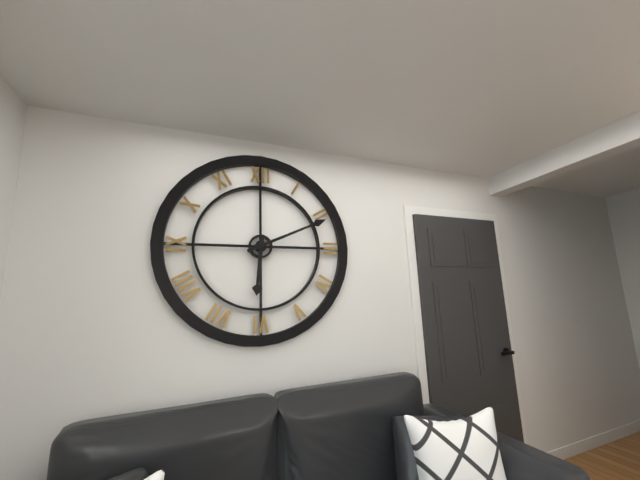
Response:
h=6 m=11
